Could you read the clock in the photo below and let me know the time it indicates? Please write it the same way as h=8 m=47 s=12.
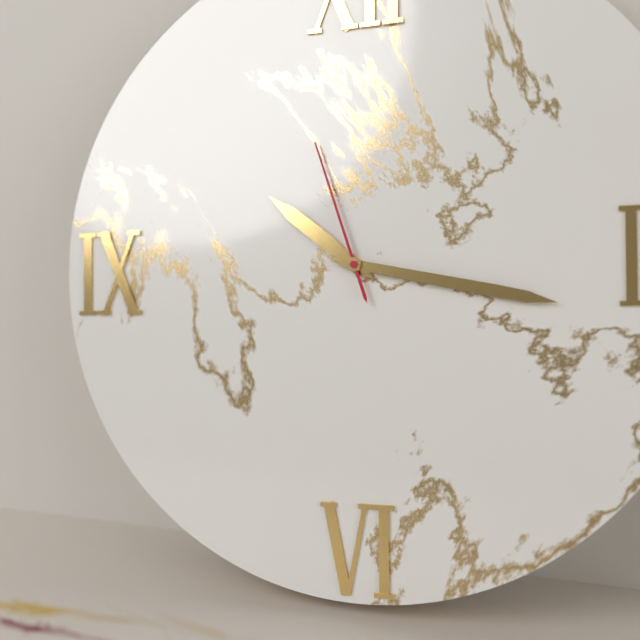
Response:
h=10 m=17 s=57
